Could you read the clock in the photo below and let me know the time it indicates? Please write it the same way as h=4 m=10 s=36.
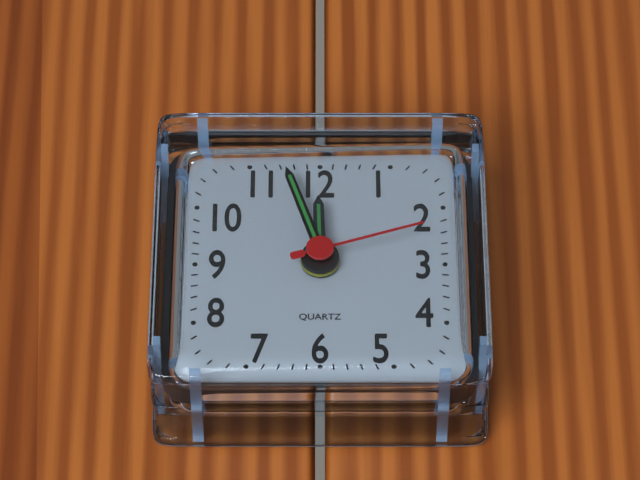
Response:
h=11 m=57 s=12
